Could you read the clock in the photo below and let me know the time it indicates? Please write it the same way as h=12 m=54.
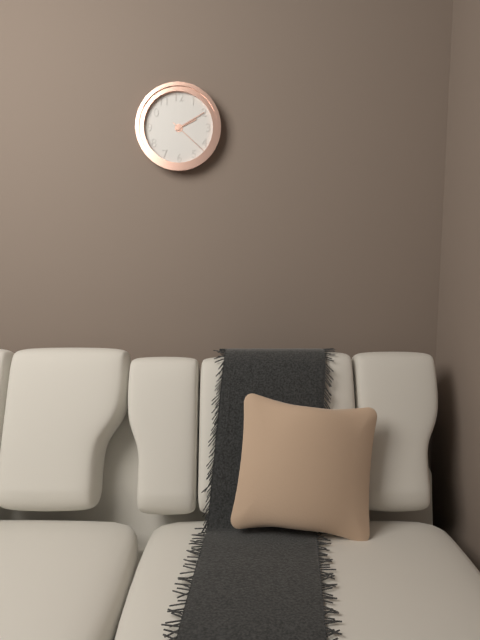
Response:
h=2 m=10
